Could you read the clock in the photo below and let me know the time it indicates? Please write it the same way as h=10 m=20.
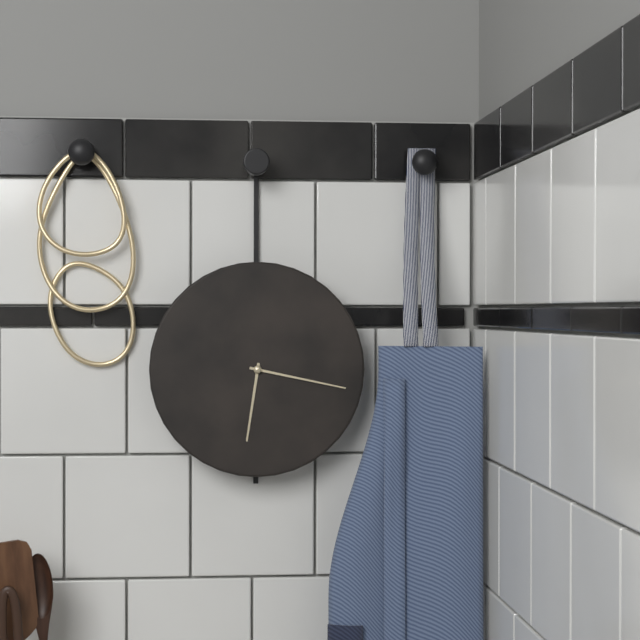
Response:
h=6 m=17
